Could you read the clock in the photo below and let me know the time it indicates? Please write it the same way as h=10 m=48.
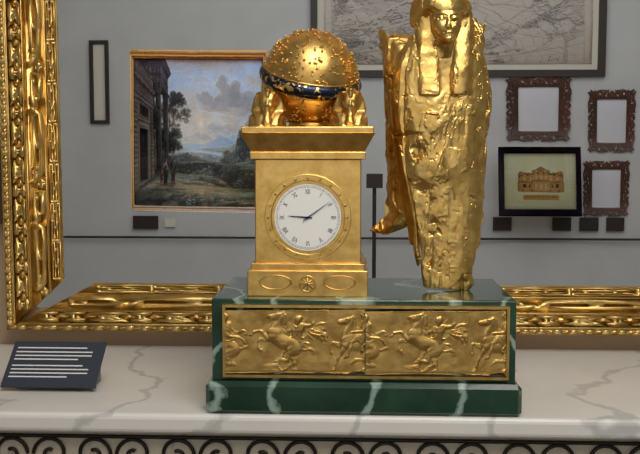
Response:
h=9 m=9
